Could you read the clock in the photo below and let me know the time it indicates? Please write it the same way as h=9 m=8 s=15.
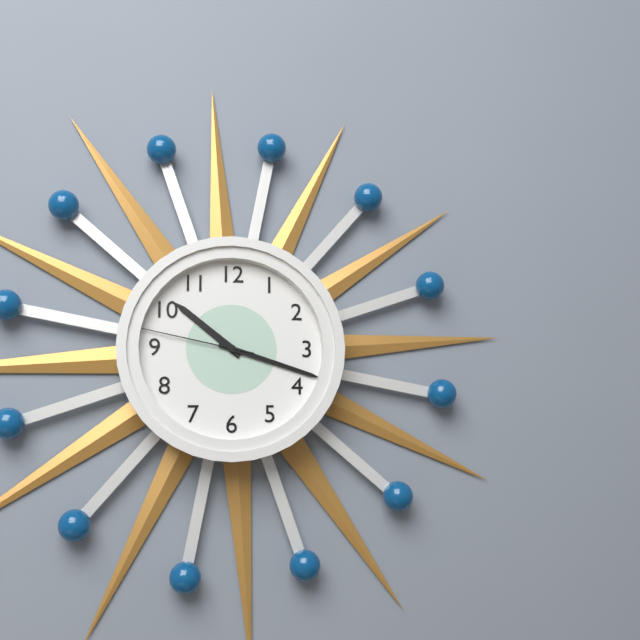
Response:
h=10 m=18 s=47
